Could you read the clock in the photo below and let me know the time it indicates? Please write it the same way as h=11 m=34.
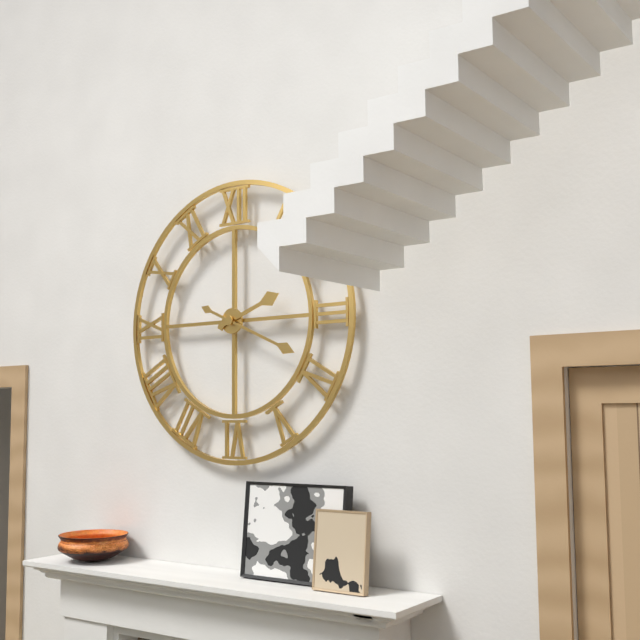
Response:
h=2 m=19
